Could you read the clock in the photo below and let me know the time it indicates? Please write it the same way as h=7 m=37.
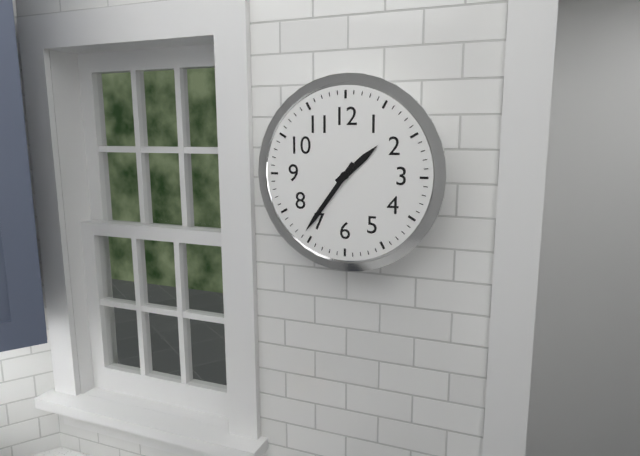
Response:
h=1 m=36
